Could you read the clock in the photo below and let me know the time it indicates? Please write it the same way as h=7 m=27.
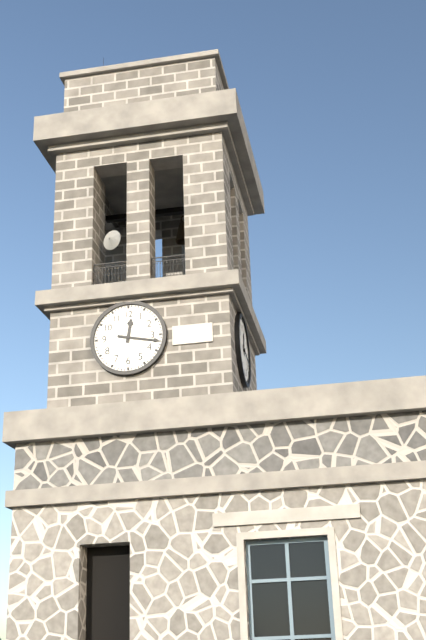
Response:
h=12 m=17
